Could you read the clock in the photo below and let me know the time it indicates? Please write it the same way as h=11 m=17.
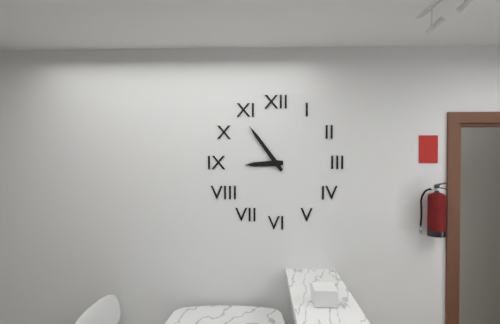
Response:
h=8 m=54
